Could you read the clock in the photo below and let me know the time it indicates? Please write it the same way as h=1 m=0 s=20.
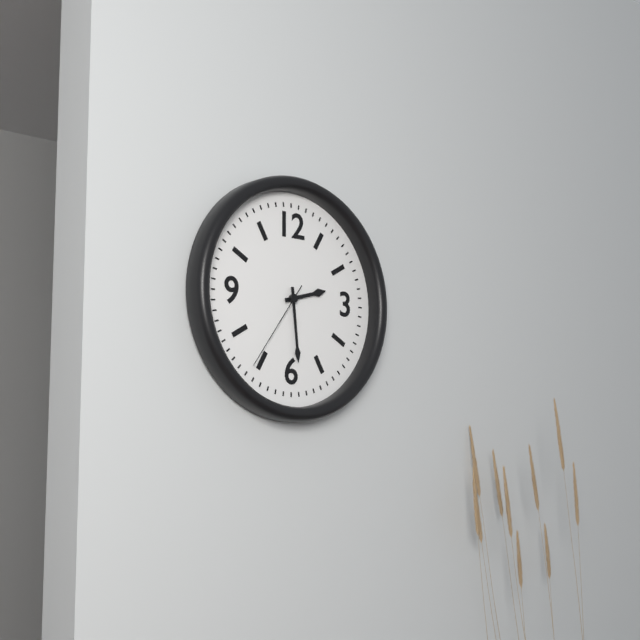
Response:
h=2 m=29 s=36
